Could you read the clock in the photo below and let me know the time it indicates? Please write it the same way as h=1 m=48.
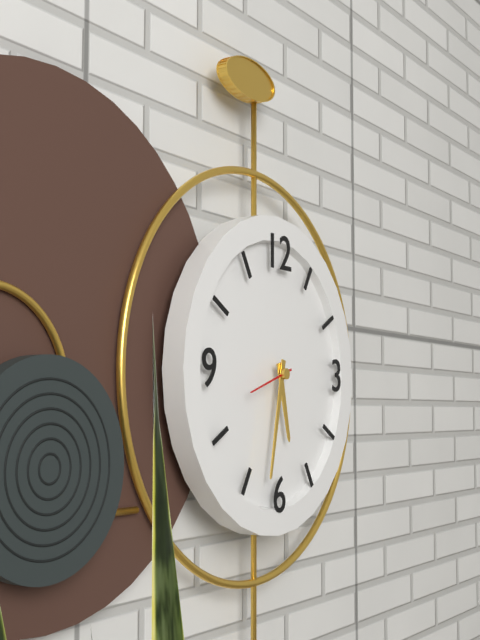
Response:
h=5 m=32
